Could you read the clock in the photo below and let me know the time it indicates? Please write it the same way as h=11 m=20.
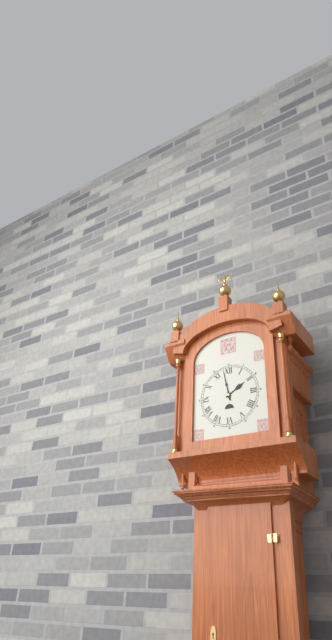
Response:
h=1 m=58
